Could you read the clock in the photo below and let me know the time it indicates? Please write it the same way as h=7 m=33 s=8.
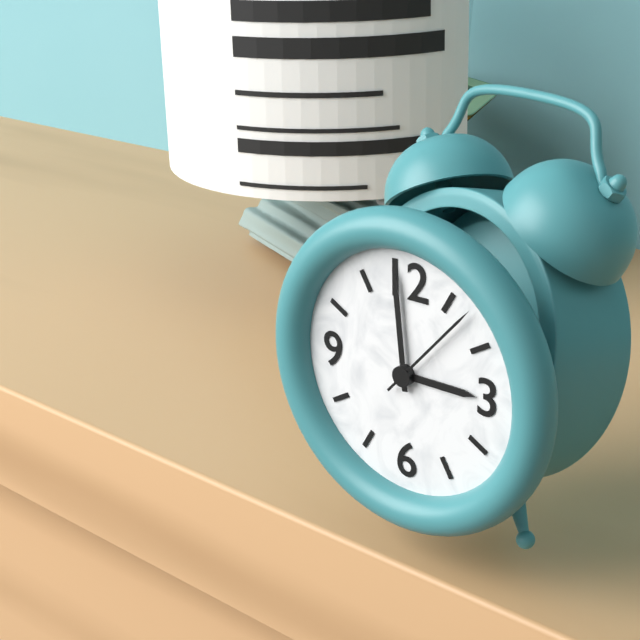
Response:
h=2 m=59 s=7
